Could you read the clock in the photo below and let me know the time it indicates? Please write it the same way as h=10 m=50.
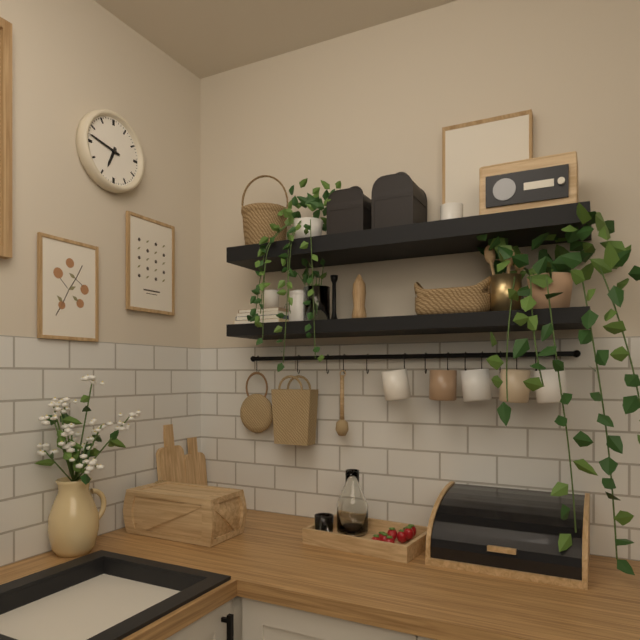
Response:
h=6 m=47
